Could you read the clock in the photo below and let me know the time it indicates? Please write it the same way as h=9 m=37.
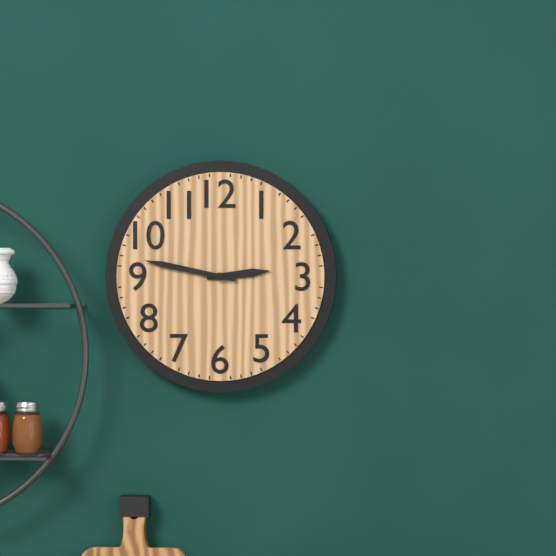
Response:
h=2 m=47
